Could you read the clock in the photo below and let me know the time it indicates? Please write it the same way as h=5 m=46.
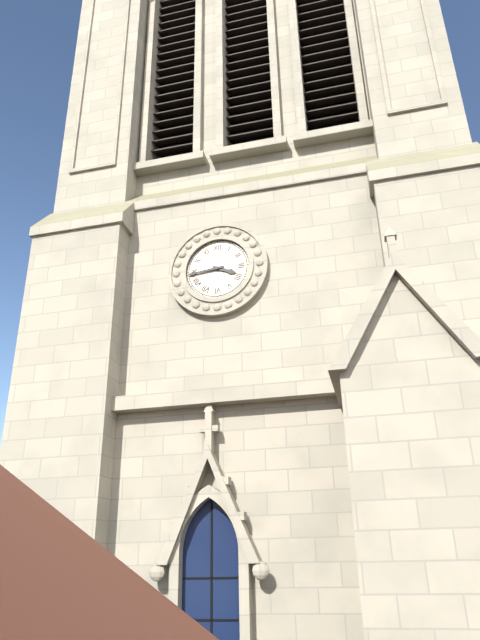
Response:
h=3 m=44
